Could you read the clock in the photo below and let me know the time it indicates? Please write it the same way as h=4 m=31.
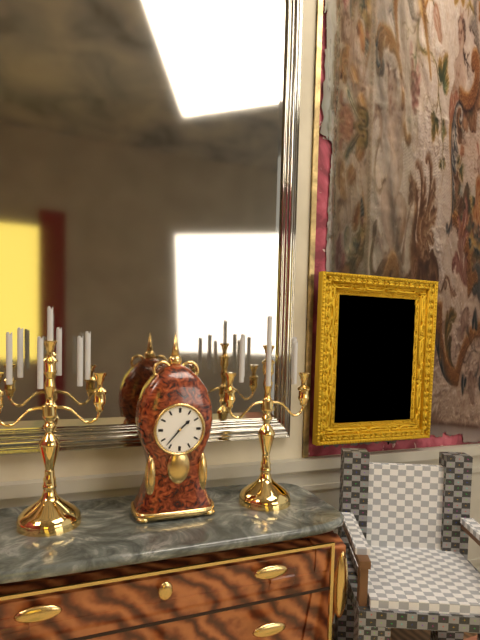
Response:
h=1 m=37
